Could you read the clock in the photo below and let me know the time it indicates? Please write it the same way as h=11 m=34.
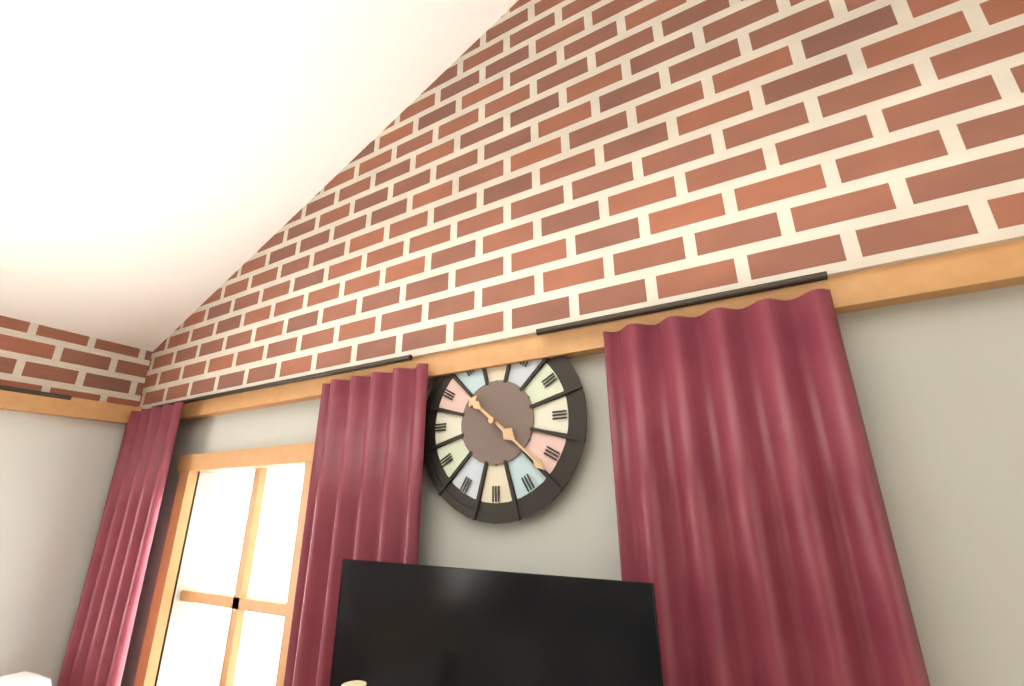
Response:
h=10 m=22
